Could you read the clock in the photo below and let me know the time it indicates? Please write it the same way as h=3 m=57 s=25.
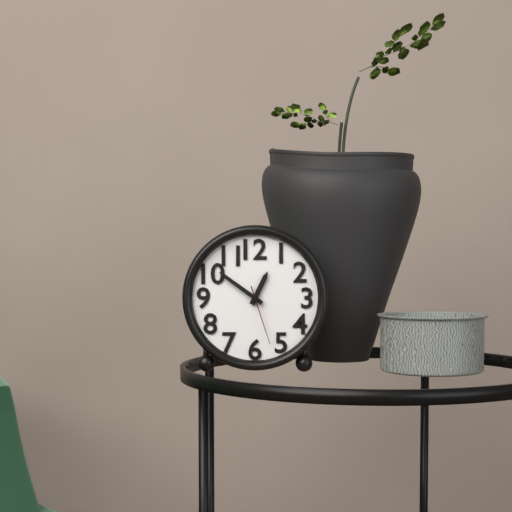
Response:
h=12 m=51 s=27
